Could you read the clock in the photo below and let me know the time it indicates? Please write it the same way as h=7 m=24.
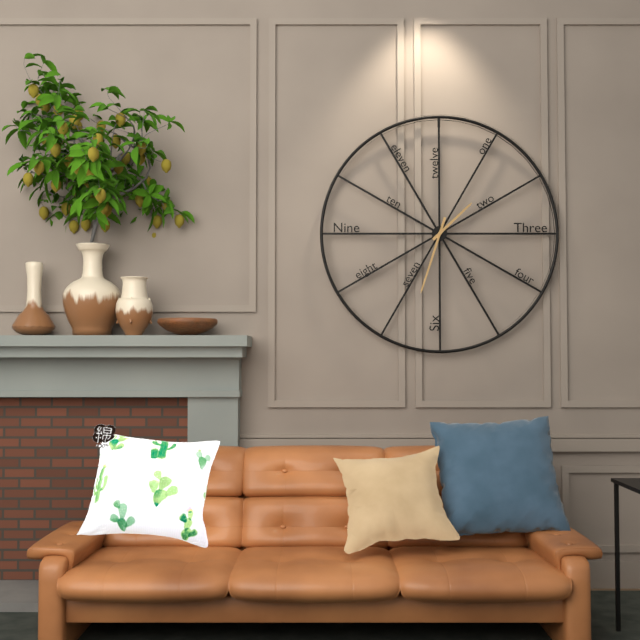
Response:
h=1 m=33
